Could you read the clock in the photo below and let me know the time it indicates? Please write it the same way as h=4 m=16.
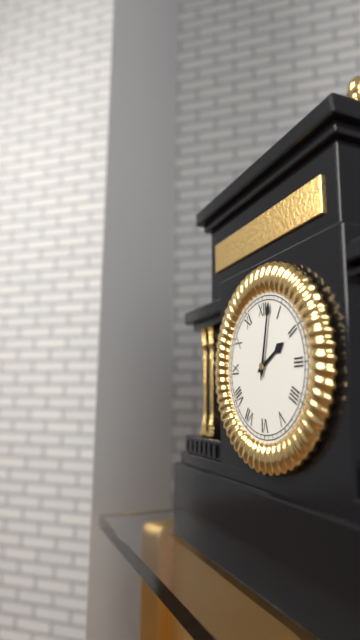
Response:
h=2 m=2
